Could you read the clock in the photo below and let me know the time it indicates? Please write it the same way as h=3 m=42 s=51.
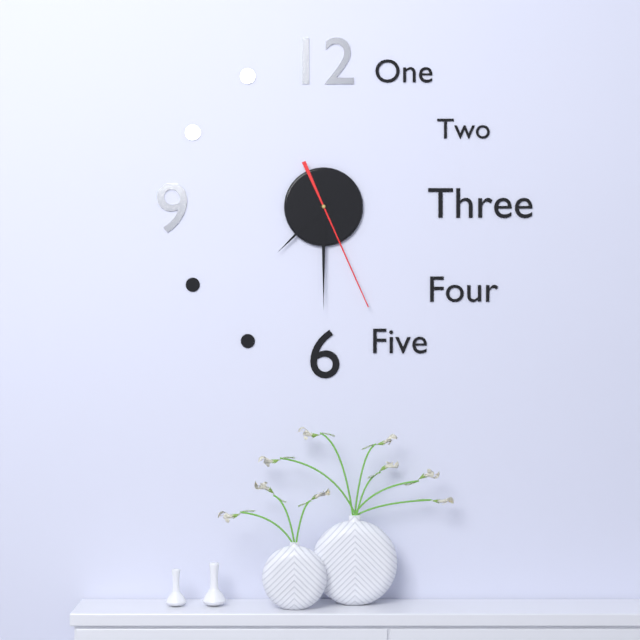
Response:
h=7 m=30 s=26
